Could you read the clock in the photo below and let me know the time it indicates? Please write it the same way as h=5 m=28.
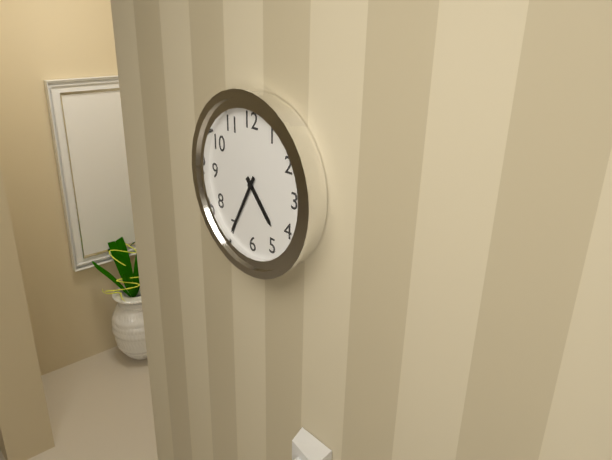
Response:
h=4 m=35
